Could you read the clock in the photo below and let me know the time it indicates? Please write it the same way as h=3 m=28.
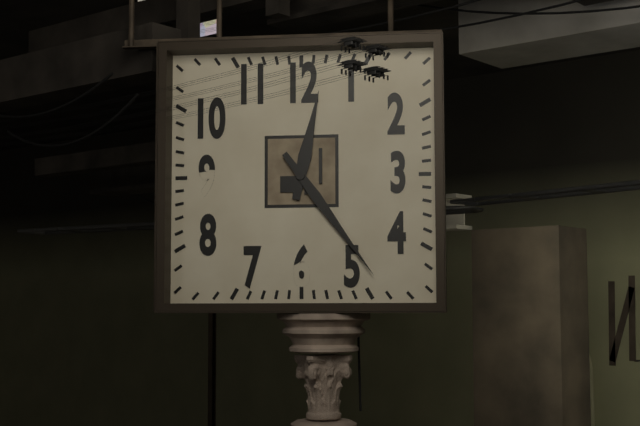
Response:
h=12 m=24
